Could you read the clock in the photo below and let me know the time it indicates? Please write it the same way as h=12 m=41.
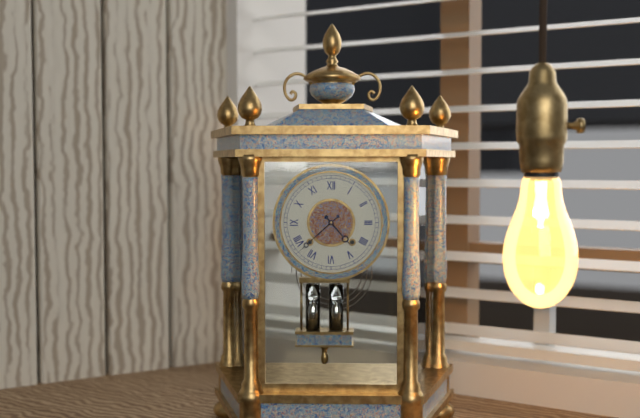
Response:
h=4 m=38
